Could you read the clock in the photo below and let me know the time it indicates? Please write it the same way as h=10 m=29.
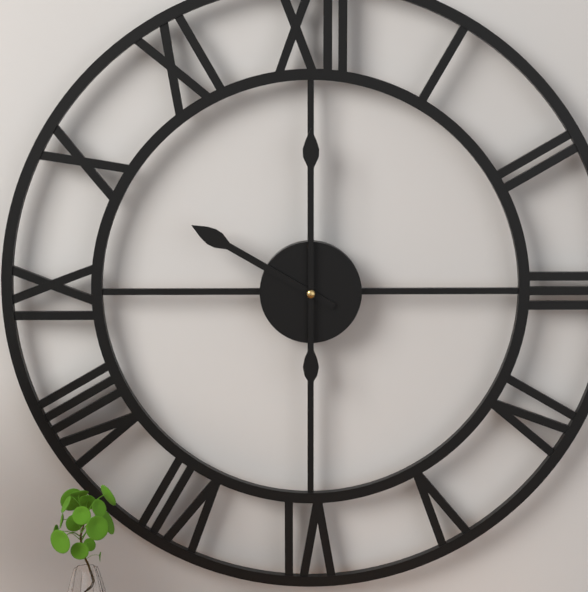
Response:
h=10 m=0
